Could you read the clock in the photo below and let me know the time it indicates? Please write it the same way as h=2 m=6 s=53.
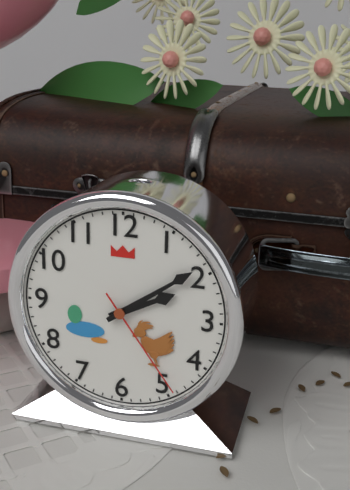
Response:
h=2 m=9 s=24
